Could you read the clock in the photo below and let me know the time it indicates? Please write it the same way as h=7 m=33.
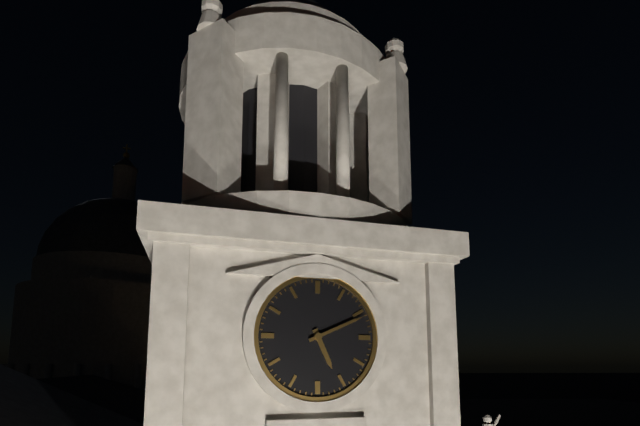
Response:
h=5 m=11
